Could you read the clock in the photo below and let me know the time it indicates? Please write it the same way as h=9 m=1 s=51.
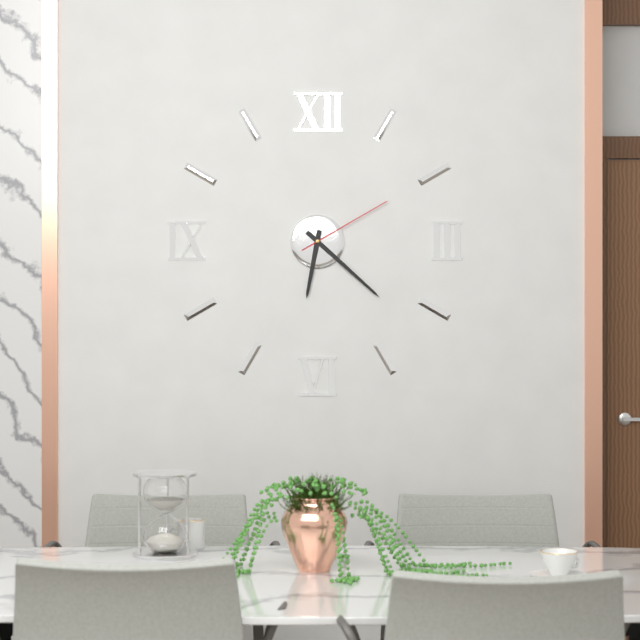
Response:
h=6 m=22 s=10
